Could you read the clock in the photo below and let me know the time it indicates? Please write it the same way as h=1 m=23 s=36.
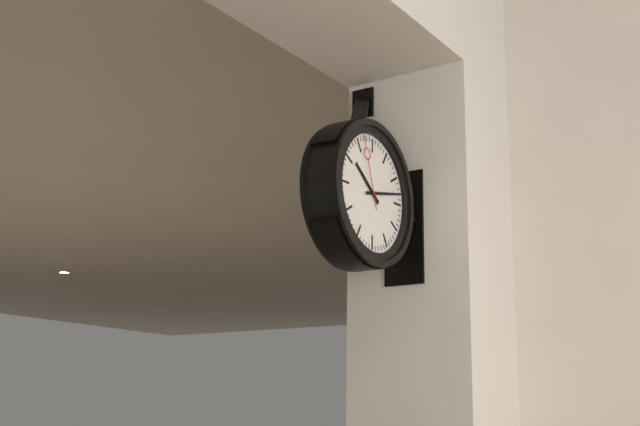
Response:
h=10 m=13 s=57
